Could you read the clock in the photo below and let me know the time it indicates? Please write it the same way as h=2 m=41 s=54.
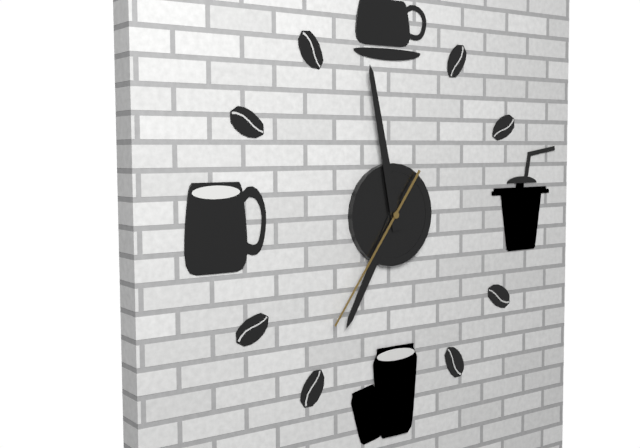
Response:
h=6 m=58 s=36
